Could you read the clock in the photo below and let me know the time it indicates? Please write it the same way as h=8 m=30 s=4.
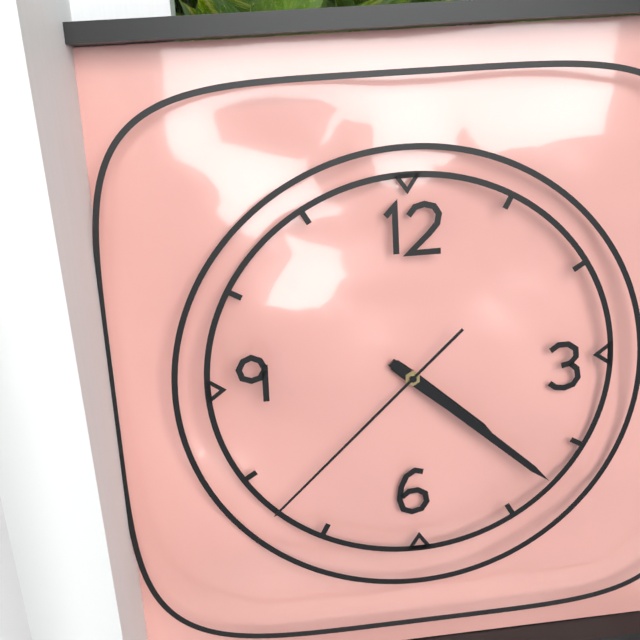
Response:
h=4 m=22 s=38
